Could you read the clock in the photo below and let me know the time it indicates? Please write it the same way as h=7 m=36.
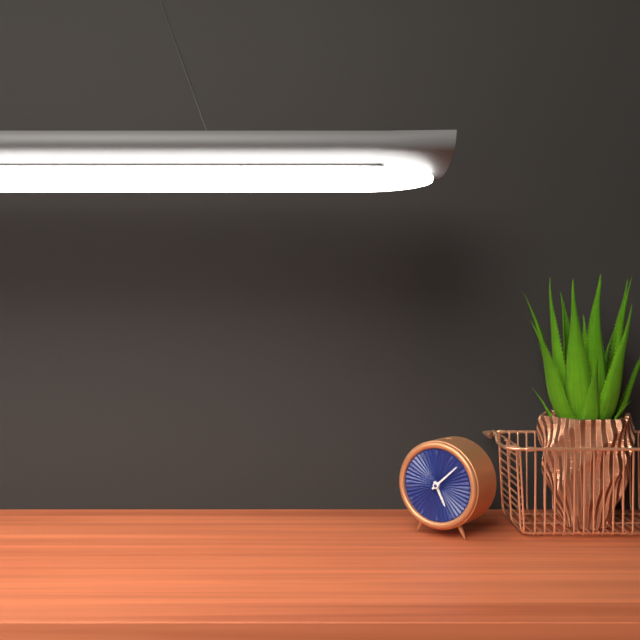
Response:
h=5 m=8
